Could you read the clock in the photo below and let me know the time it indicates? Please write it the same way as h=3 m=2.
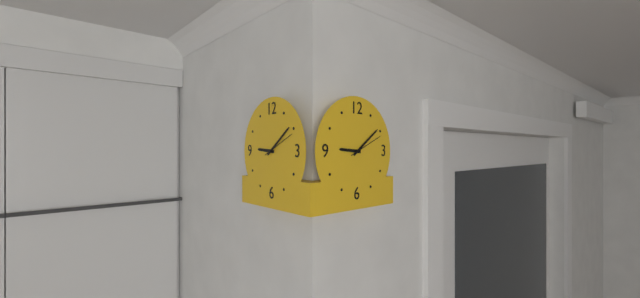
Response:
h=9 m=9
